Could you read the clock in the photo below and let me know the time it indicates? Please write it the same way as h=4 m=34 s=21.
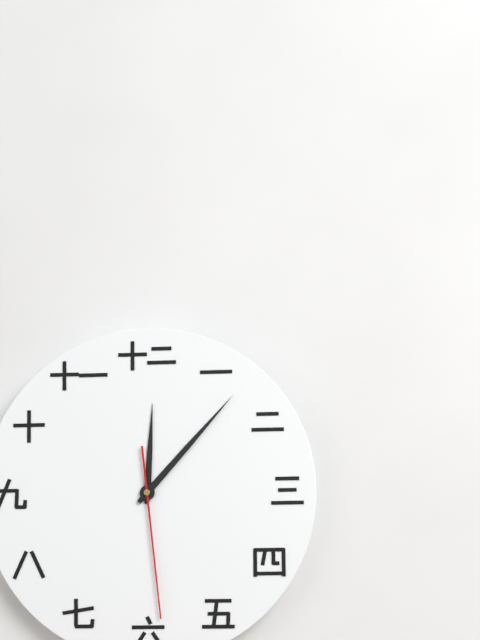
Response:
h=12 m=7 s=29
